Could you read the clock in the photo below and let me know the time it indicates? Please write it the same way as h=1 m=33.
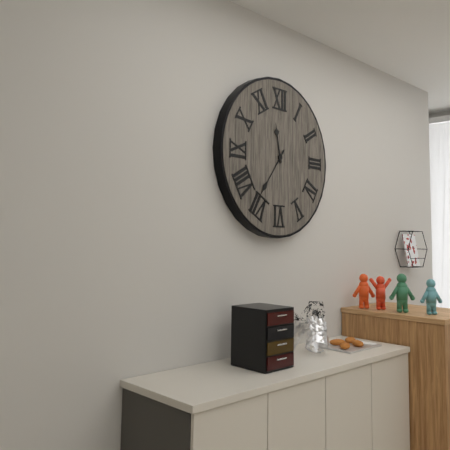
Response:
h=11 m=36
